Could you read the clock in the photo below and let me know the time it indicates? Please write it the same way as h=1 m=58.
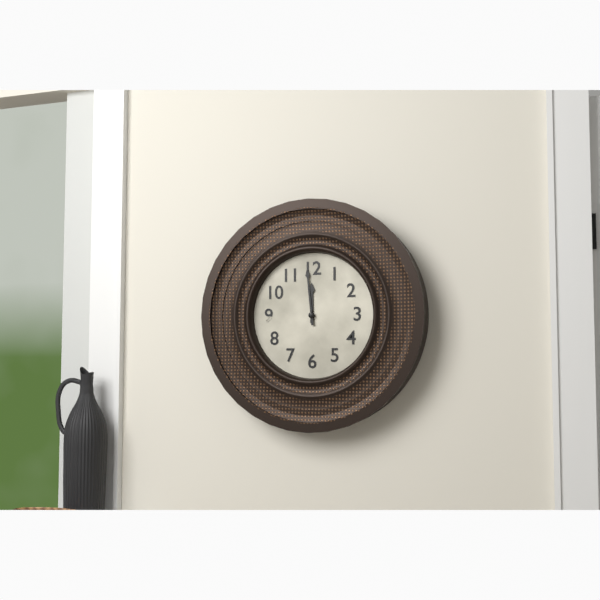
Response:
h=11 m=59
